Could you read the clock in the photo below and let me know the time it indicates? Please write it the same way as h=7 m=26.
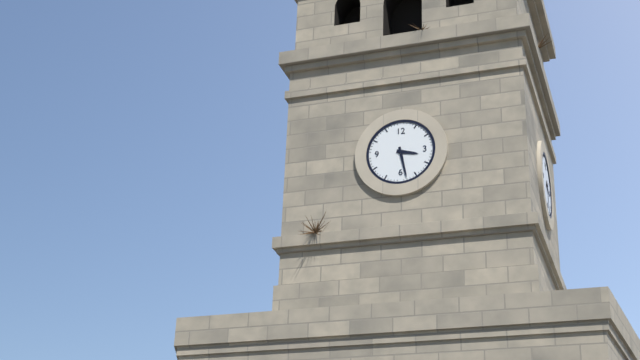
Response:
h=3 m=28
